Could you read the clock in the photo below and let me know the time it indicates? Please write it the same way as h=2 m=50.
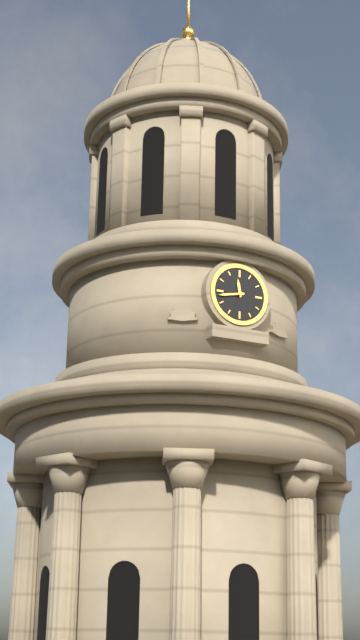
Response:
h=11 m=43
